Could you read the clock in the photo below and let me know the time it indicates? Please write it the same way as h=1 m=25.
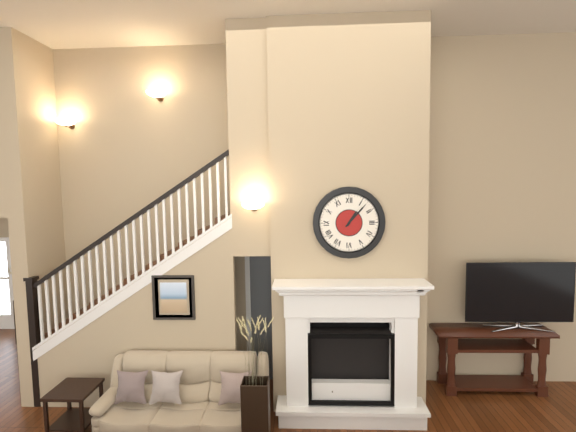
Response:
h=1 m=7
